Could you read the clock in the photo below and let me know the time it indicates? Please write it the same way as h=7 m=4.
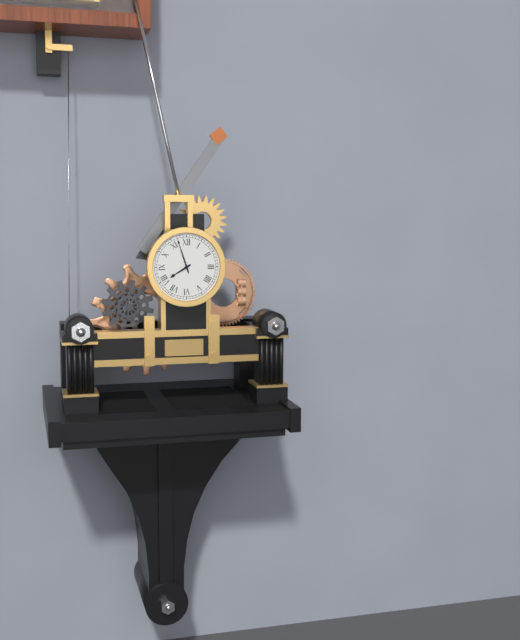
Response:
h=7 m=57
